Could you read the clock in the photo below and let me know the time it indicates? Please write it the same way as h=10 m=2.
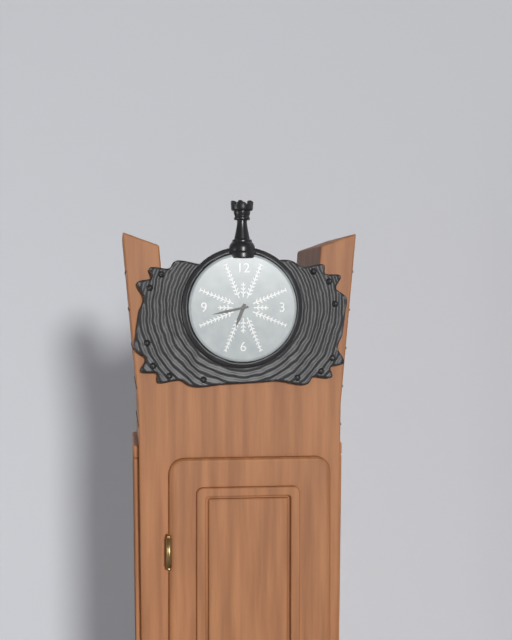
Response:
h=6 m=43
